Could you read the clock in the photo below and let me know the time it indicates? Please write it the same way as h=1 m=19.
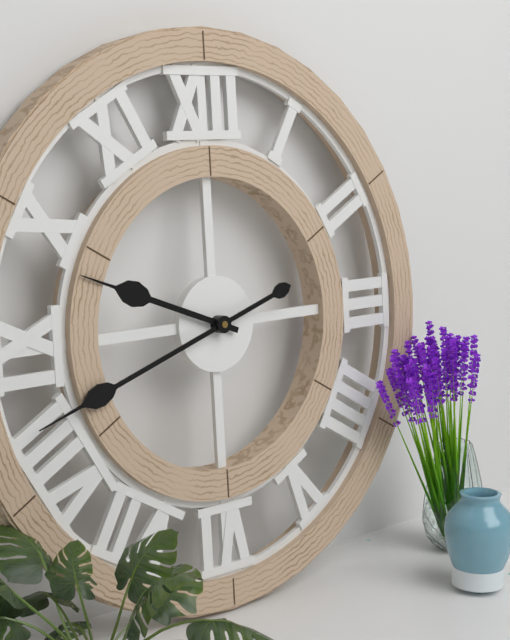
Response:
h=9 m=42
